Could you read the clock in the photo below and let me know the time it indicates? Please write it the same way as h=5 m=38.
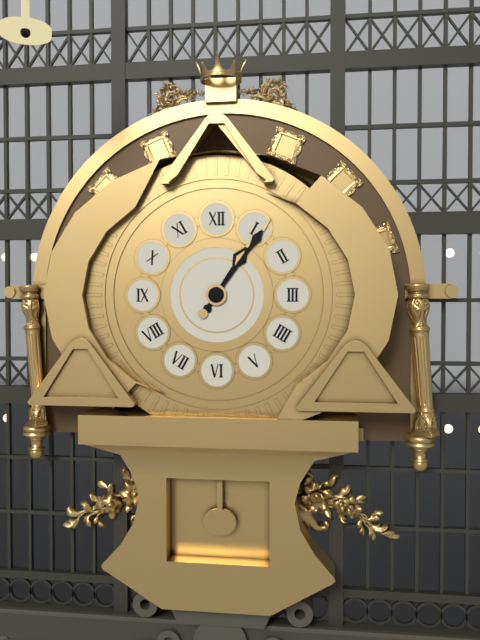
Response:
h=1 m=6
